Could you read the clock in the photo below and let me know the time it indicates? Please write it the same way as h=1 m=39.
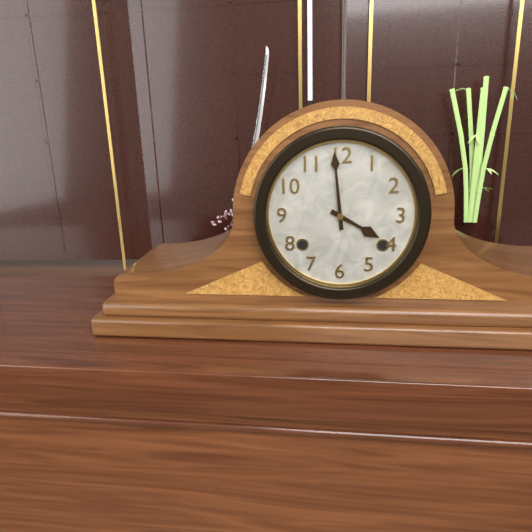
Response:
h=3 m=59
